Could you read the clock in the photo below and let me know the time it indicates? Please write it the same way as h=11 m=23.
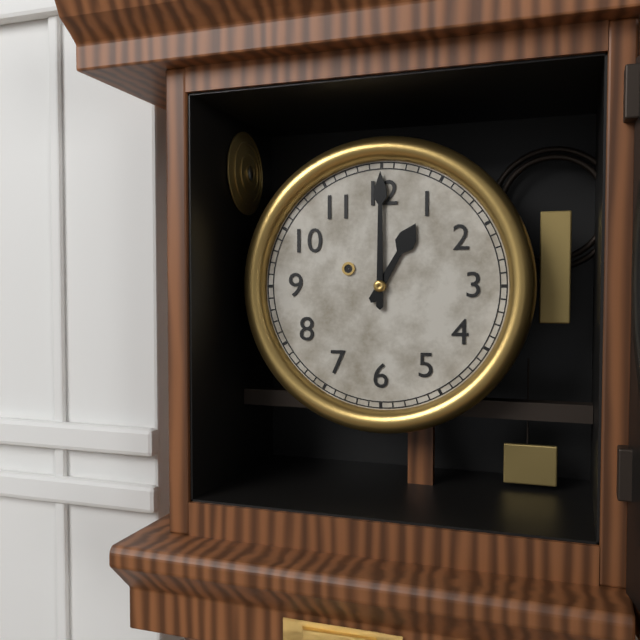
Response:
h=1 m=0
